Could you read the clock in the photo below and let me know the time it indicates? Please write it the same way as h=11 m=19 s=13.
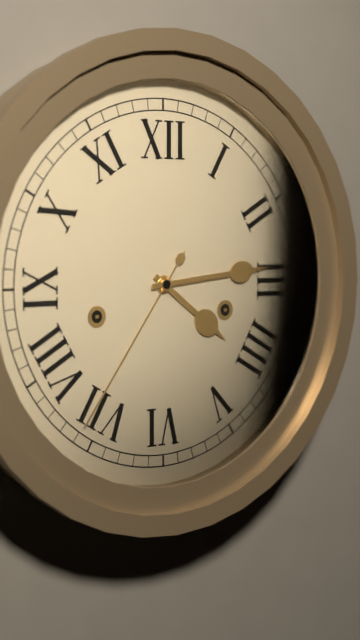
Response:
h=4 m=14 s=36
